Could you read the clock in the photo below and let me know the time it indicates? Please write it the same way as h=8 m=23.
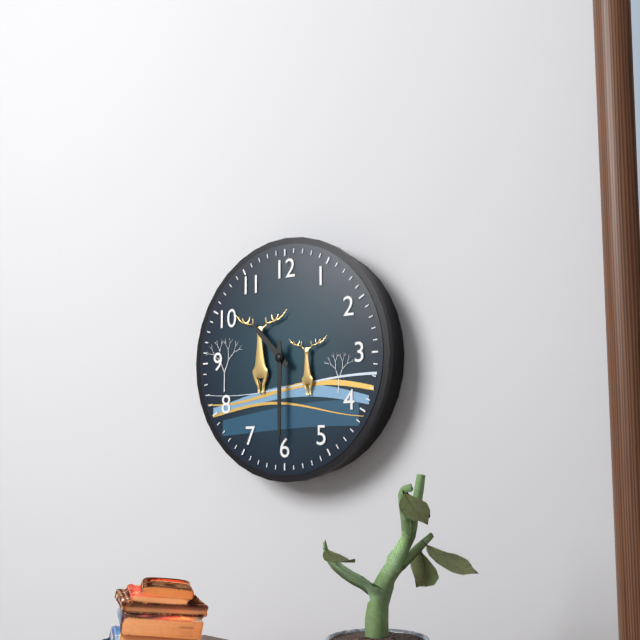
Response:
h=10 m=30
